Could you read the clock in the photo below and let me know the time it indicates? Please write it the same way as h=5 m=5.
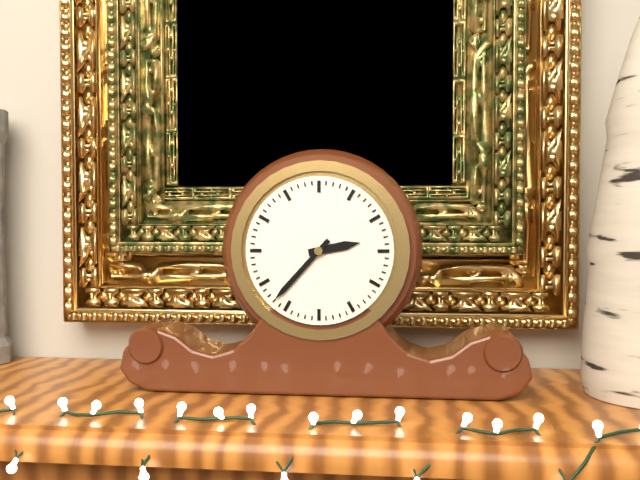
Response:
h=2 m=37
